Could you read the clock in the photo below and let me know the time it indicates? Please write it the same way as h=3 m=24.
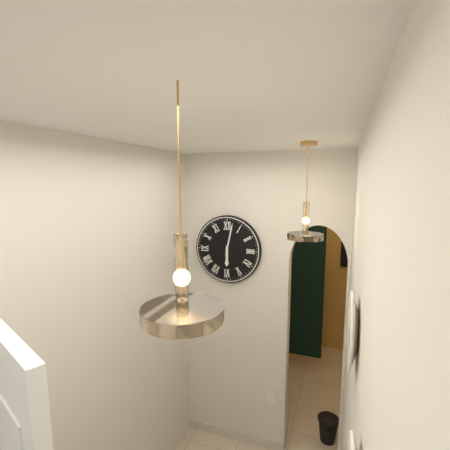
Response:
h=6 m=2
